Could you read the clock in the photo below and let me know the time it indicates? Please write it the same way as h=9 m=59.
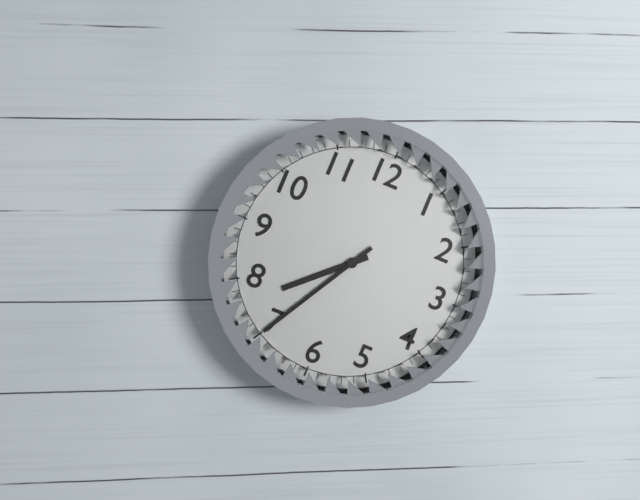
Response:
h=7 m=35
